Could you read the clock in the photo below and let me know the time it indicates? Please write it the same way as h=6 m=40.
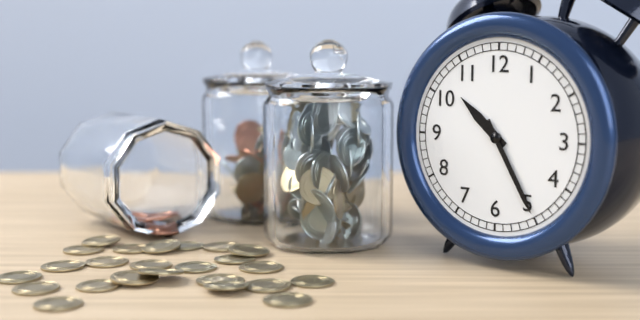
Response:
h=10 m=25
